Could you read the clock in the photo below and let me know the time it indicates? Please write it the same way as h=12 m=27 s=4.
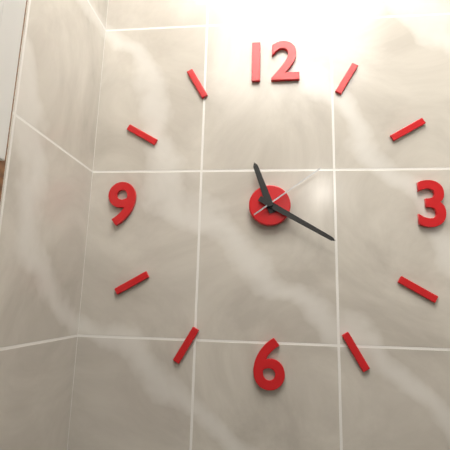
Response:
h=11 m=20 s=9
